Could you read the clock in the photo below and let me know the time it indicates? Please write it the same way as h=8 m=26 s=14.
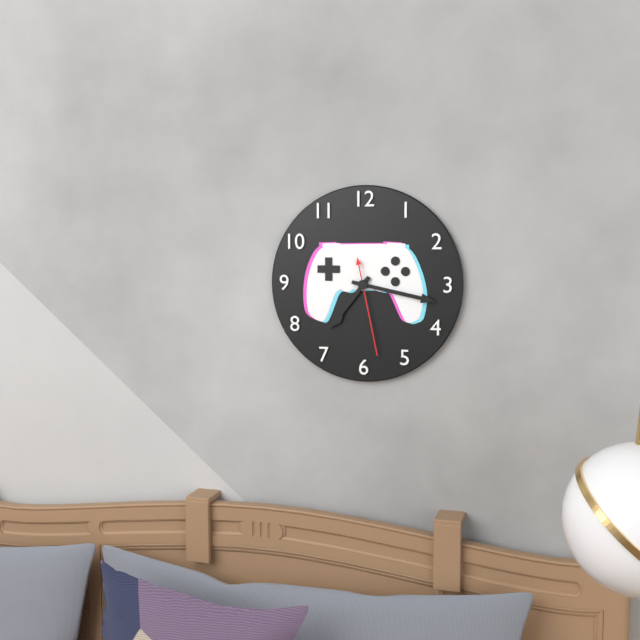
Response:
h=7 m=17 s=28
